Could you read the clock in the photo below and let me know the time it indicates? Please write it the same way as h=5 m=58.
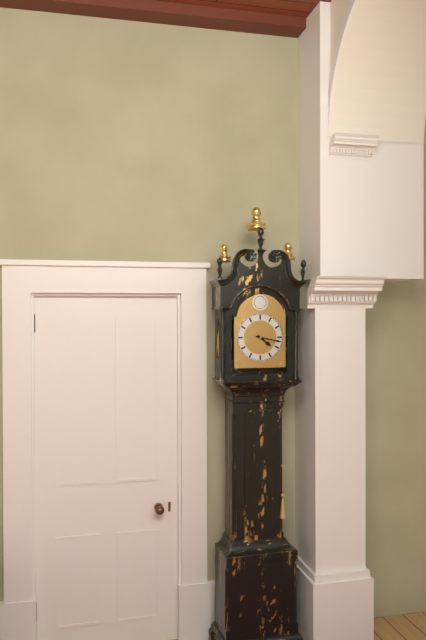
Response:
h=4 m=17
